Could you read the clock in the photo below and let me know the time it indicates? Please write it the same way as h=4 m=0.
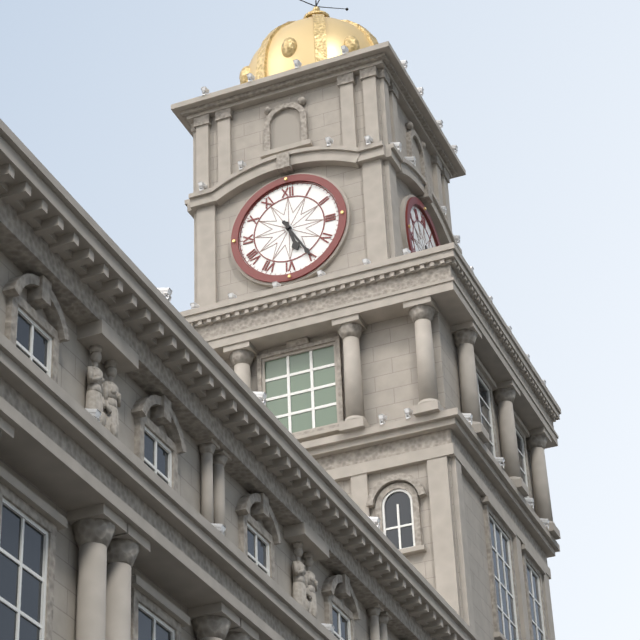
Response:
h=5 m=25
